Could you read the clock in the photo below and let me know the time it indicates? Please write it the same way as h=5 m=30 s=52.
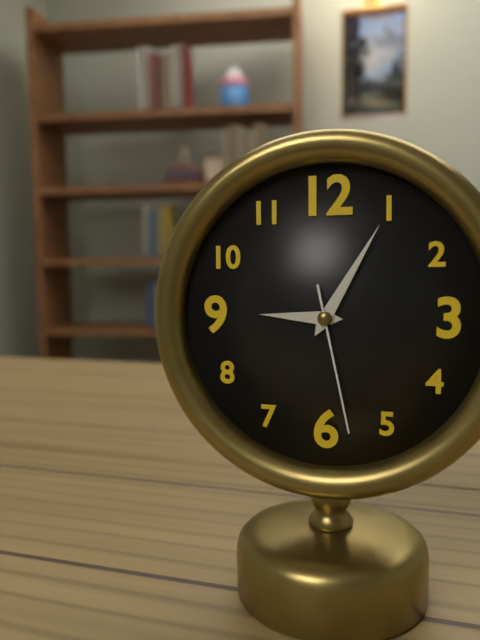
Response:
h=9 m=5 s=28
